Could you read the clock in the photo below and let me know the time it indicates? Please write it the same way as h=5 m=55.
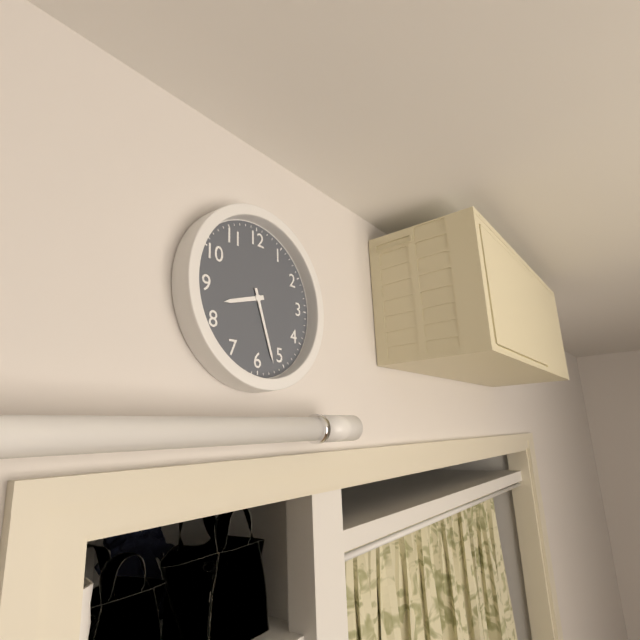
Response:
h=8 m=27
